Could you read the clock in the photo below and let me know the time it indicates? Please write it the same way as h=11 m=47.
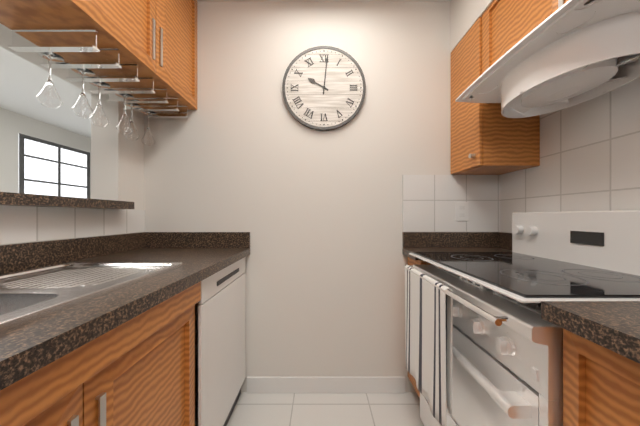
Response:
h=10 m=1
